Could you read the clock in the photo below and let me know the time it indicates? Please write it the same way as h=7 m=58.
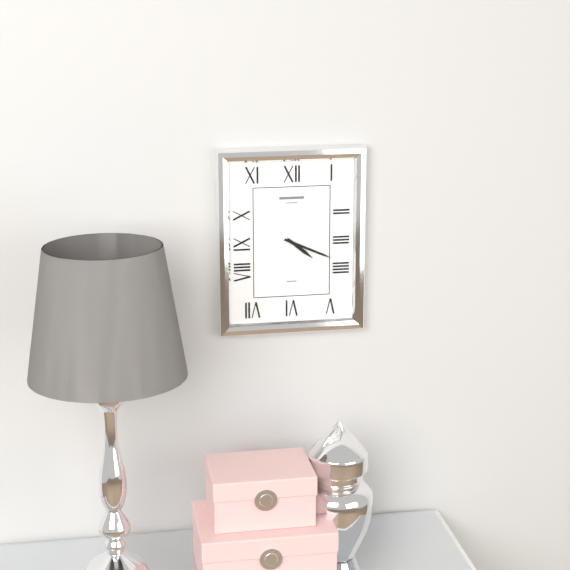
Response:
h=4 m=19
